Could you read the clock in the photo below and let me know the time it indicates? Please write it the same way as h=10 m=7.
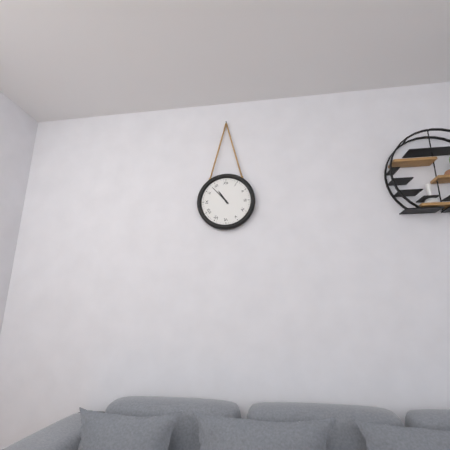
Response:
h=10 m=53
